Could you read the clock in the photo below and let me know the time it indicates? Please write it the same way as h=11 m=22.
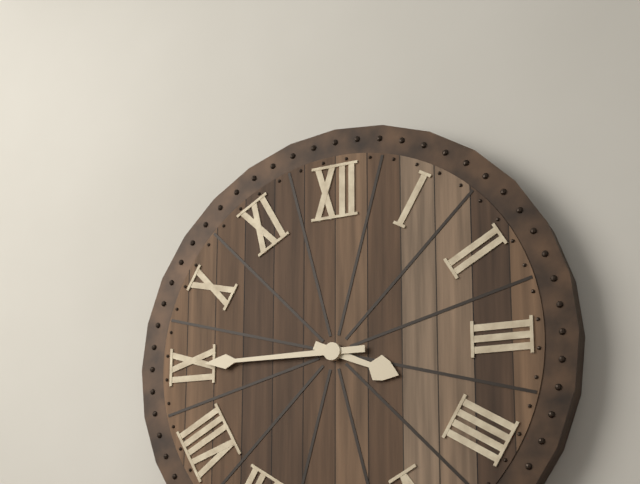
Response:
h=3 m=45
